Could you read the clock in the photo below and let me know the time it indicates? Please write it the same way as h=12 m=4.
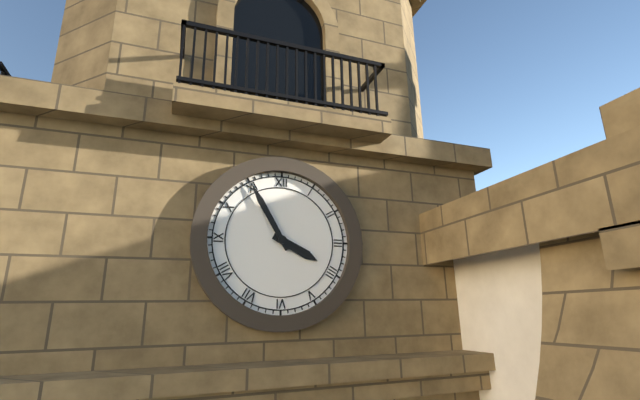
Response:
h=3 m=55
